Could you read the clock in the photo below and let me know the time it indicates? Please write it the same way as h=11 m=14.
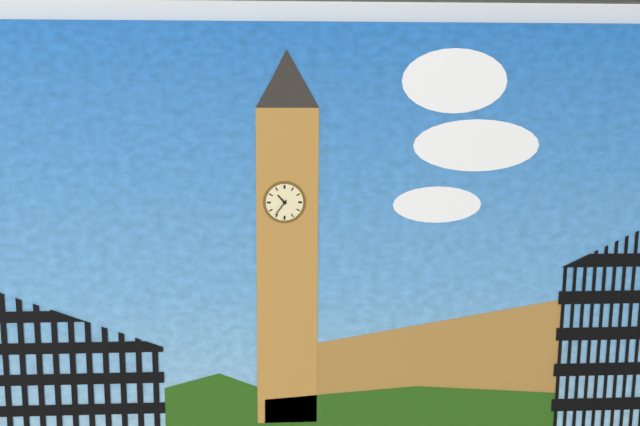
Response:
h=10 m=36
